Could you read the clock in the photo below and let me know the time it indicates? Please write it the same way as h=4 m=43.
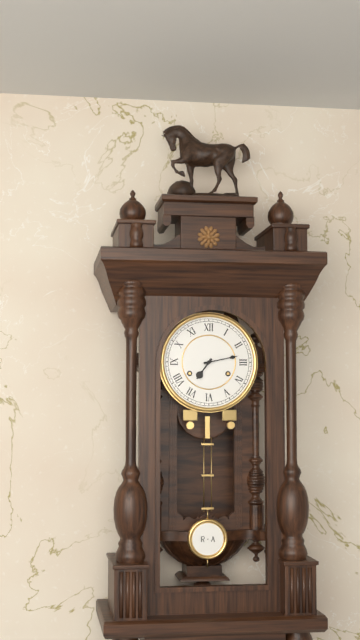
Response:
h=7 m=13
